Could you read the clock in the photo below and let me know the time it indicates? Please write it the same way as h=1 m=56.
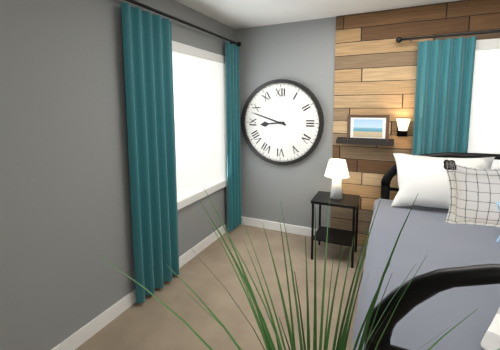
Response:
h=8 m=48
